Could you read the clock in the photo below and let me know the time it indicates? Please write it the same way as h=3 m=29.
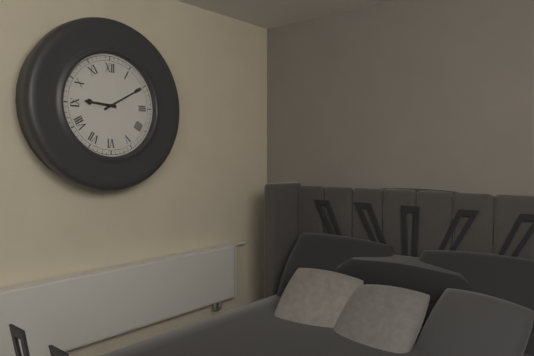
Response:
h=9 m=10
